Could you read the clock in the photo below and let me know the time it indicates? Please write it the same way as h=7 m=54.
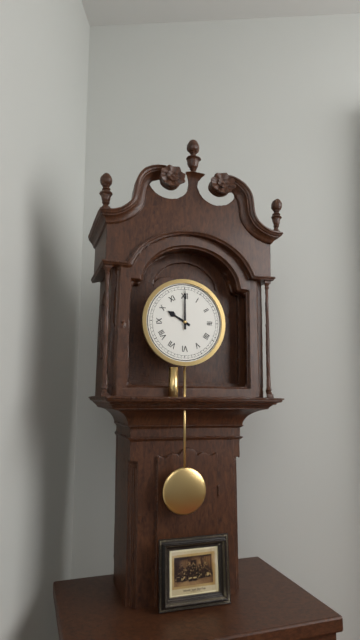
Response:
h=10 m=0
